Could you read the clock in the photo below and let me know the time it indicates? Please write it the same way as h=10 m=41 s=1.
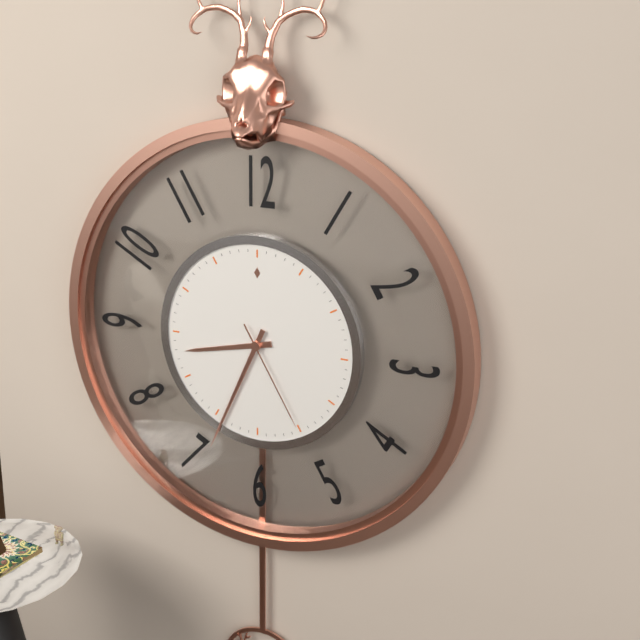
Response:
h=8 m=34 s=25
